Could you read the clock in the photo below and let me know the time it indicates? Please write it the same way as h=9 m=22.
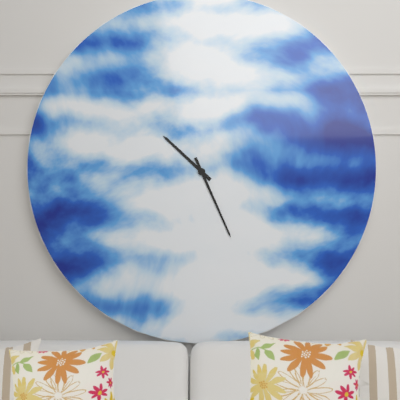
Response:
h=10 m=26
